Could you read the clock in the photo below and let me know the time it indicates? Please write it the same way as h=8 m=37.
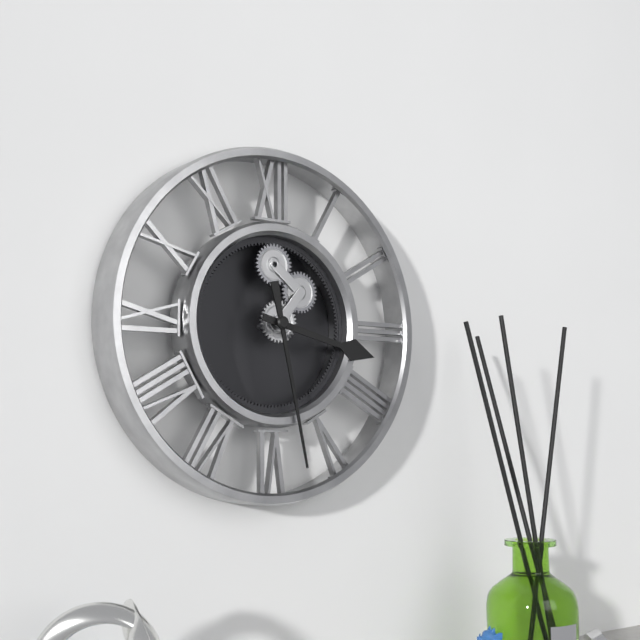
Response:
h=3 m=28
